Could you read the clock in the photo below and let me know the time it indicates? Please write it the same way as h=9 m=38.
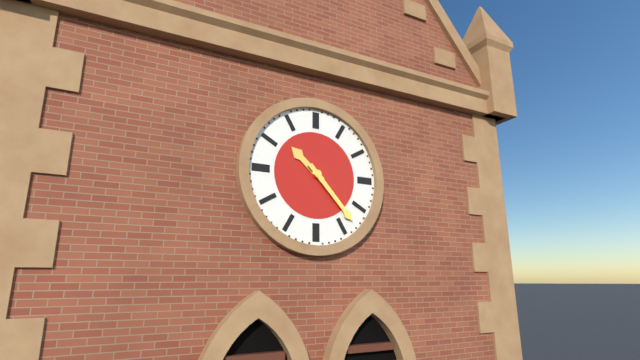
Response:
h=10 m=23
